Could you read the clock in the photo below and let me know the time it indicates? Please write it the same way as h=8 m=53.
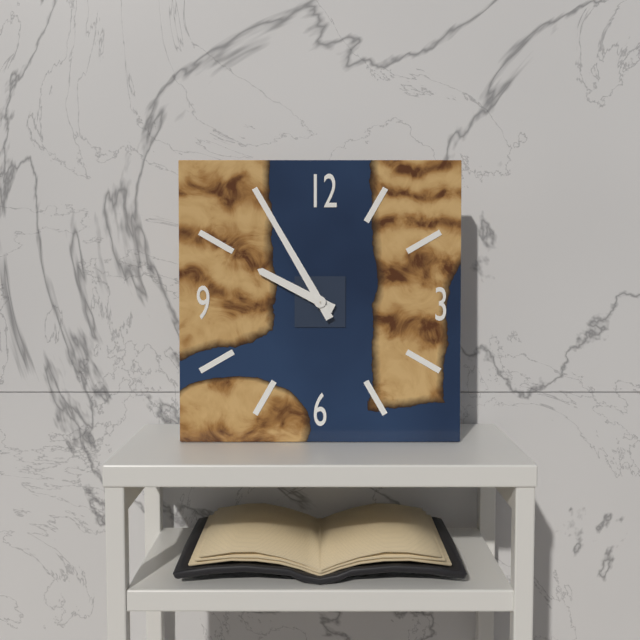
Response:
h=9 m=55
